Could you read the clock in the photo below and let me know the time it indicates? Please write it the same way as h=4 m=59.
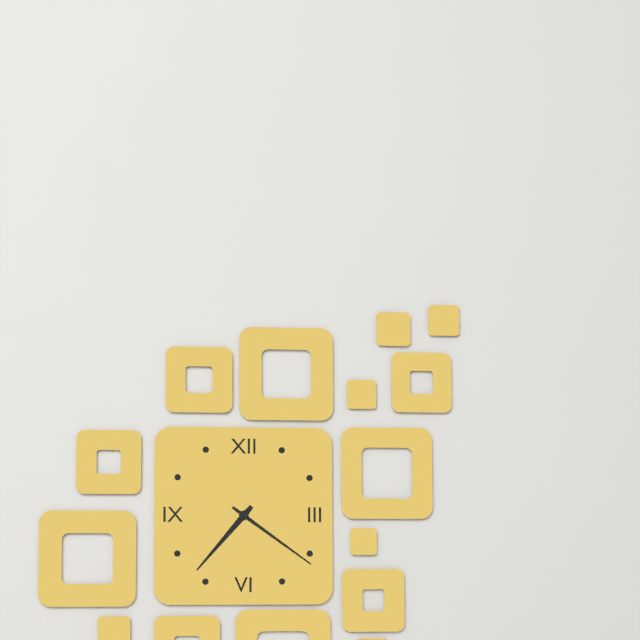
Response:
h=7 m=21
